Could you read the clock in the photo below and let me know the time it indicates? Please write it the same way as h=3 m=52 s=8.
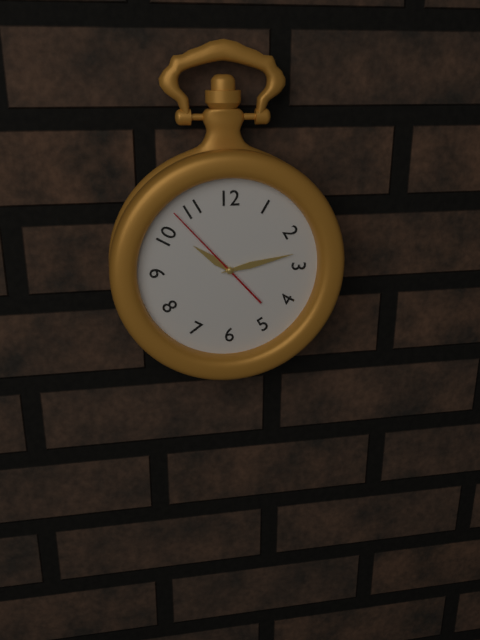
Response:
h=10 m=13 s=53
